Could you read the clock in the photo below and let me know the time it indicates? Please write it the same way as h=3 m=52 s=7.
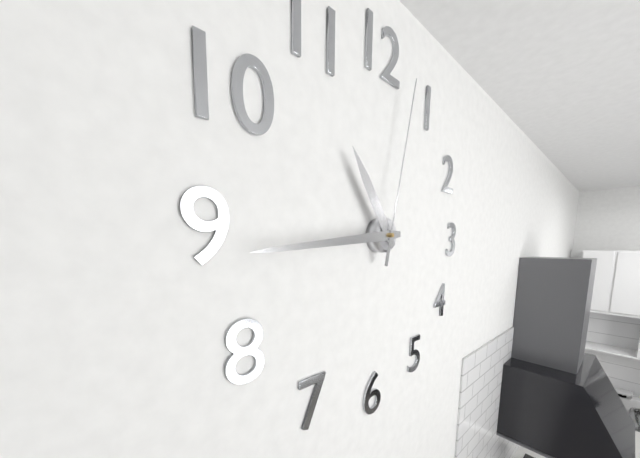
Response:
h=10 m=44 s=2
